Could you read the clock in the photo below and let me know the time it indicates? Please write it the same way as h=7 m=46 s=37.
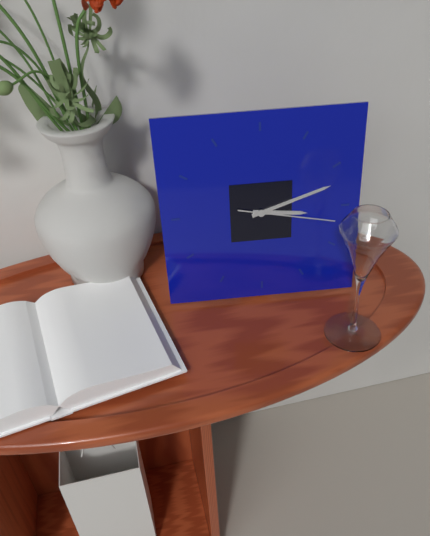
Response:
h=3 m=12 s=17
